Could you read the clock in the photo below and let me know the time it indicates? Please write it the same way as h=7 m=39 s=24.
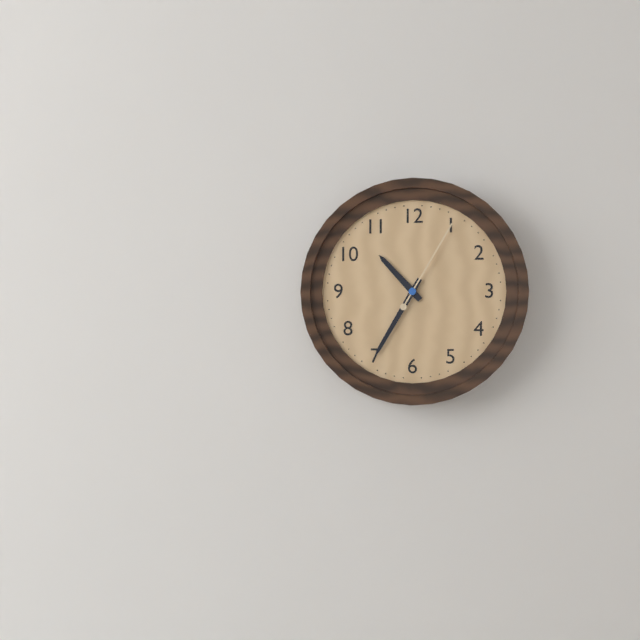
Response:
h=10 m=35 s=5
